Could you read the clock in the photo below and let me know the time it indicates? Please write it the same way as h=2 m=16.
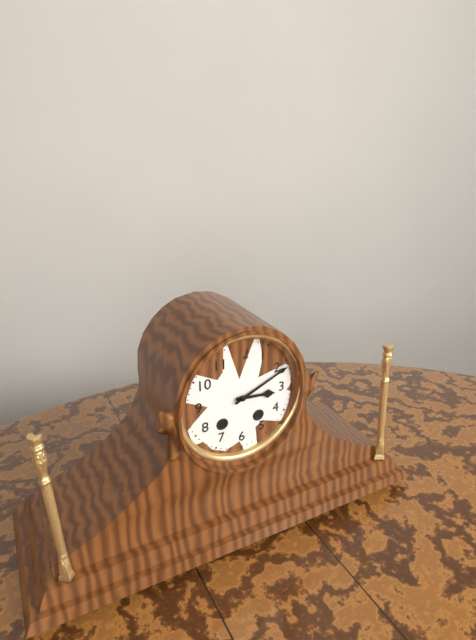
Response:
h=3 m=11
